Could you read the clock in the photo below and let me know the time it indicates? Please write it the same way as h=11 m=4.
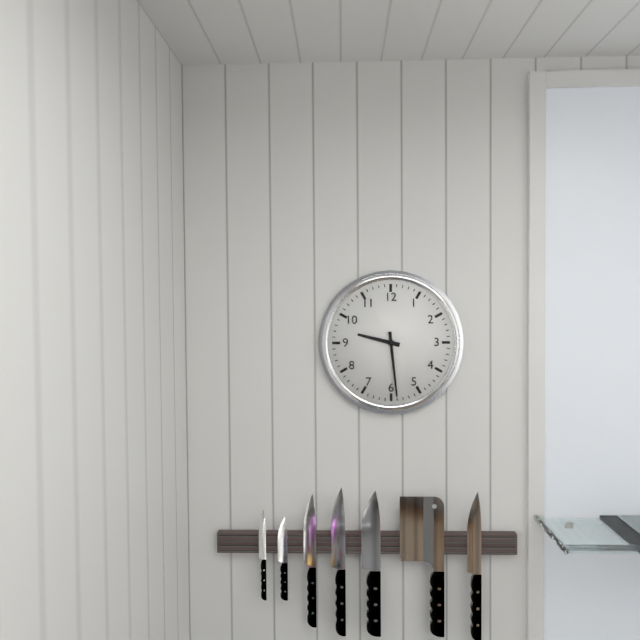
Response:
h=9 m=29
